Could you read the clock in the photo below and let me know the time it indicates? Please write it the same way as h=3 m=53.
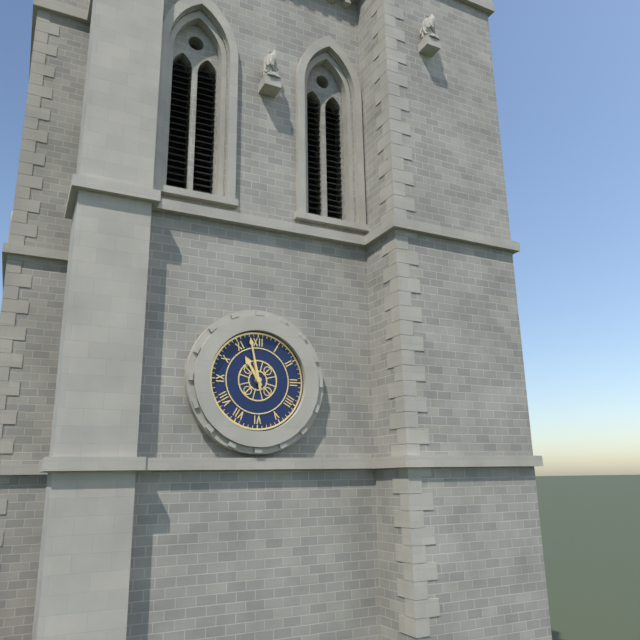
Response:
h=10 m=58
